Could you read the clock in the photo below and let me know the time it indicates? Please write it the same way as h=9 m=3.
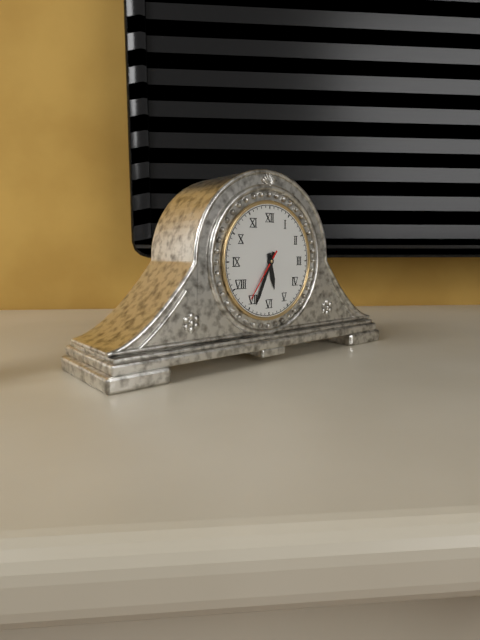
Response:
h=5 m=34
